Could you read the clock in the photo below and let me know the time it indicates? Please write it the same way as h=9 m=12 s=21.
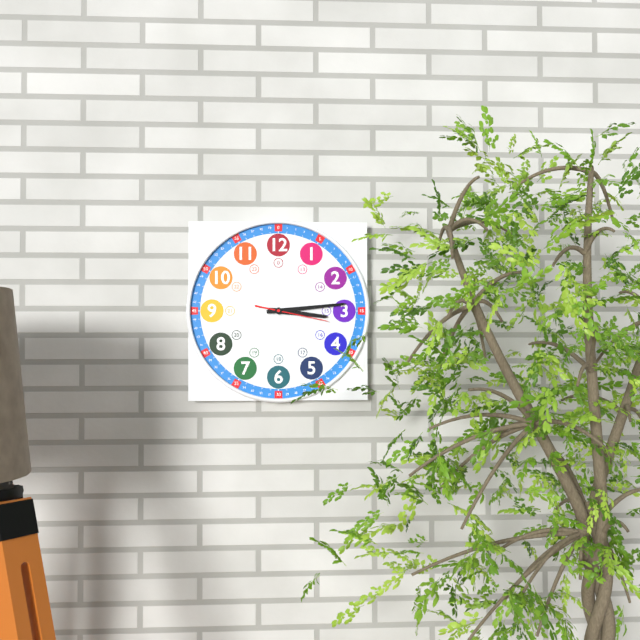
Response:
h=3 m=14 s=17
